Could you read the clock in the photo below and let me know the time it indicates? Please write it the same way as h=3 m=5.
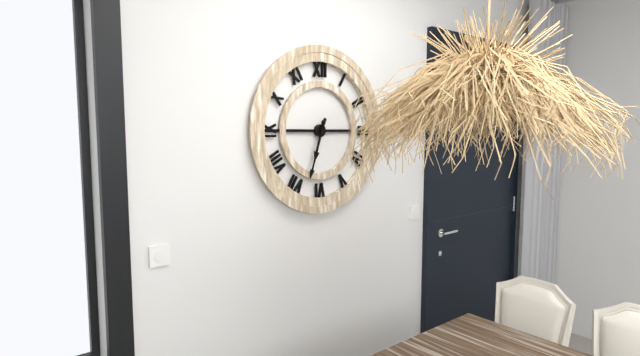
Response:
h=6 m=33
